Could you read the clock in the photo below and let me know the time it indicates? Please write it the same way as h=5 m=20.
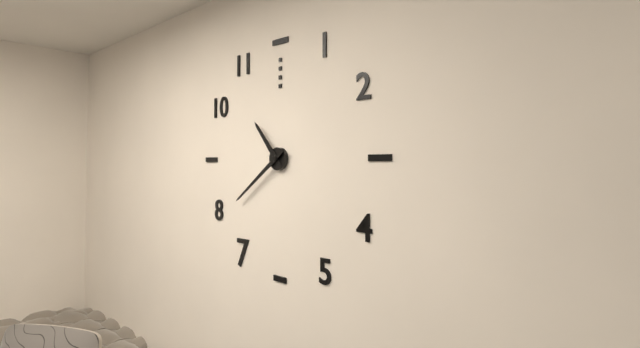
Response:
h=10 m=39
